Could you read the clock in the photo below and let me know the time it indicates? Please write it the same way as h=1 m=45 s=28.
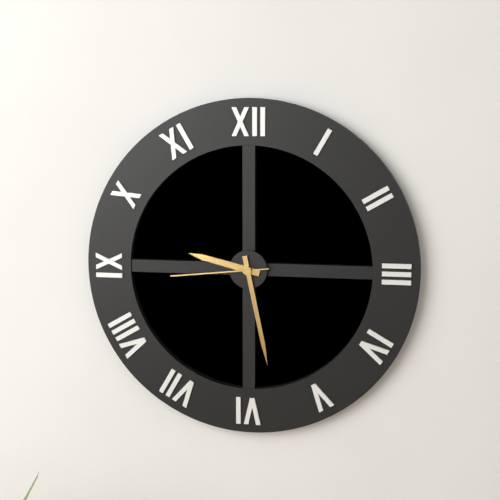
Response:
h=9 m=28 s=44
